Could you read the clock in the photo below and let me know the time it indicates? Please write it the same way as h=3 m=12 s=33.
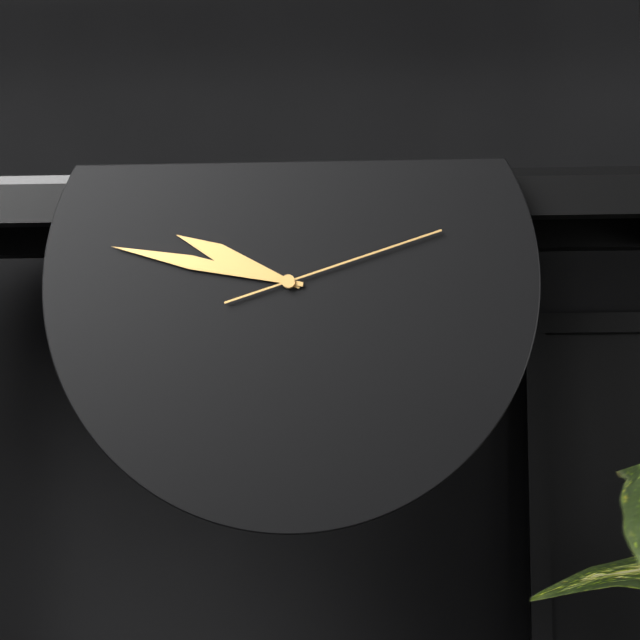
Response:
h=9 m=47 s=12
